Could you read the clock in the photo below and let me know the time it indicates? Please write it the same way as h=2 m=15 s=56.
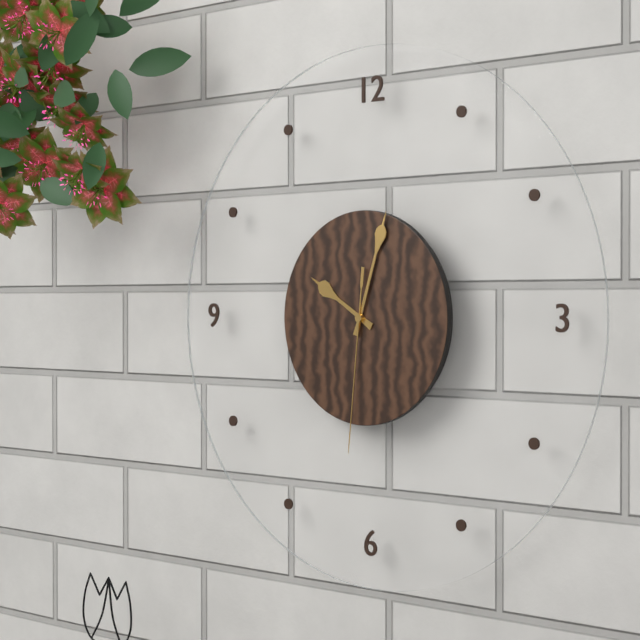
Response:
h=10 m=3 s=31
